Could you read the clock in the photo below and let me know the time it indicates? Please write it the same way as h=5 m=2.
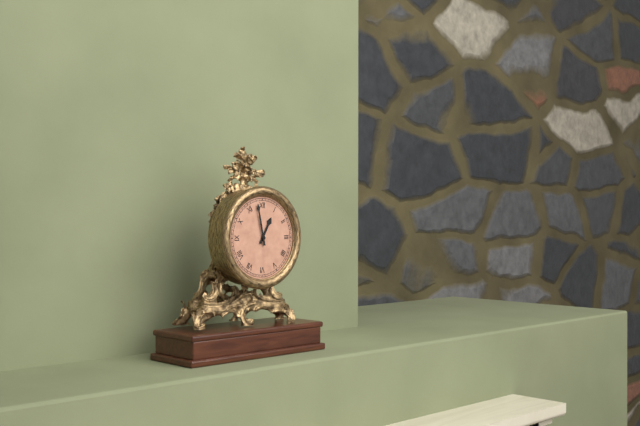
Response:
h=12 m=58
